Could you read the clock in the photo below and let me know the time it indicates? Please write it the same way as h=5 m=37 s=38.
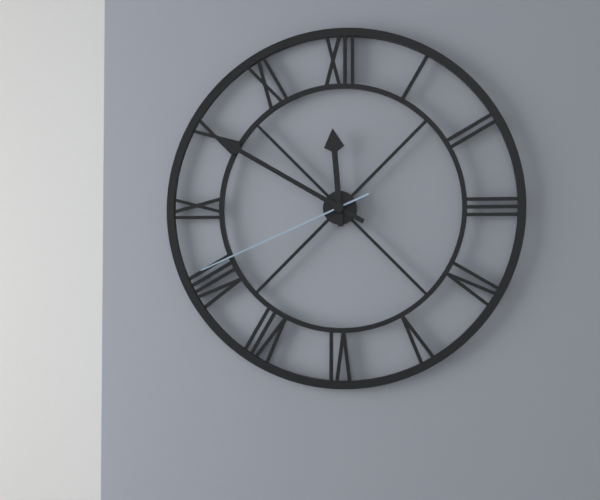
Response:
h=11 m=50 s=41
